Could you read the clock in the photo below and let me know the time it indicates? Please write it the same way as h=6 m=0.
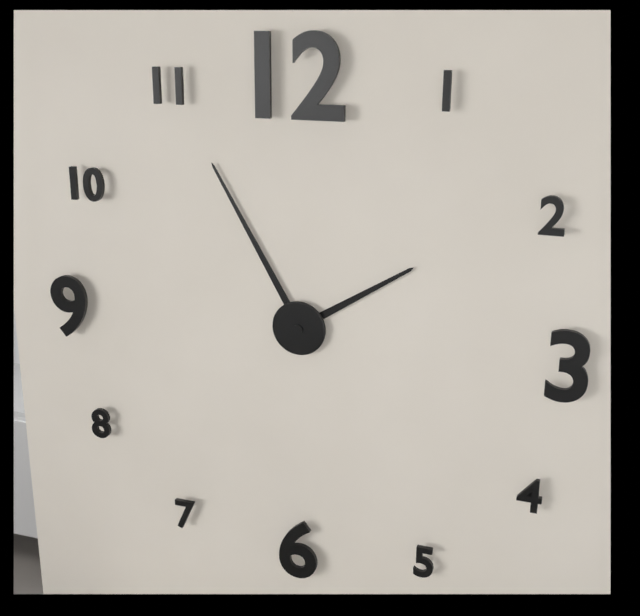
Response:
h=1 m=55
